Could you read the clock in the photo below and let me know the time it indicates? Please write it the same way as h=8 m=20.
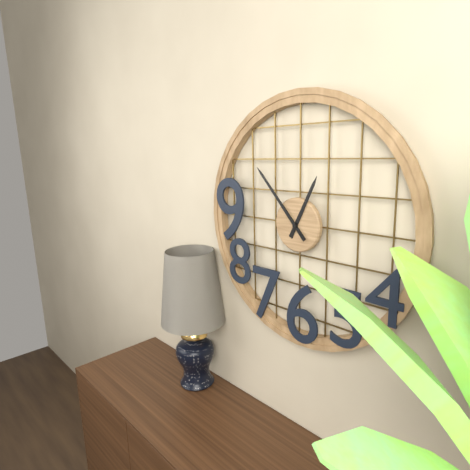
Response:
h=12 m=53
